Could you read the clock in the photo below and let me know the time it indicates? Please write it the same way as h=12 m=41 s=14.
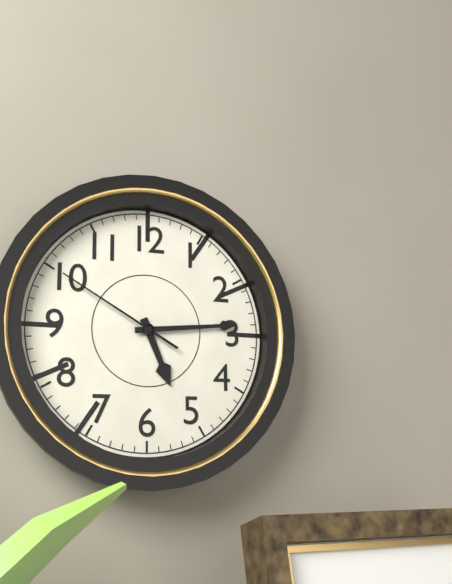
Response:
h=5 m=14 s=50
